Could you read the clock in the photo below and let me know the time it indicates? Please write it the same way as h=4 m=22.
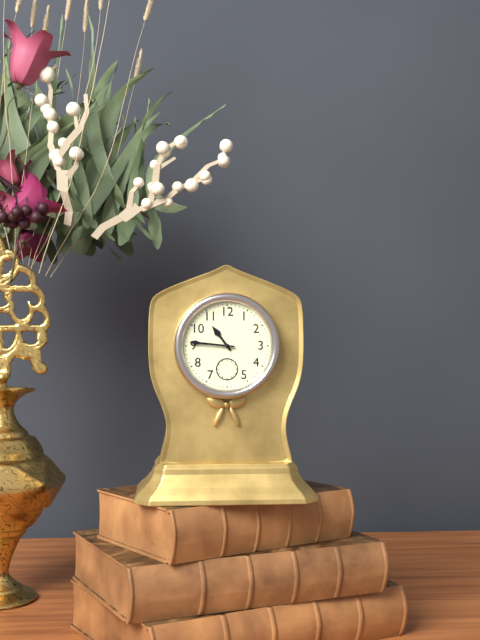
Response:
h=10 m=46
